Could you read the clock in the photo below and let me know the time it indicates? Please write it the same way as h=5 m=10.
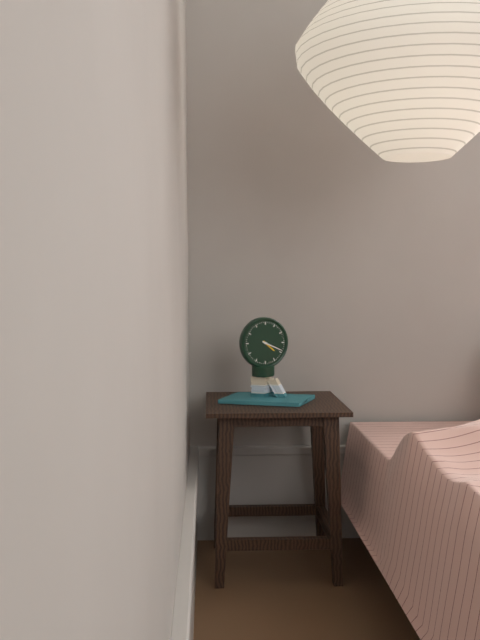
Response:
h=4 m=19
